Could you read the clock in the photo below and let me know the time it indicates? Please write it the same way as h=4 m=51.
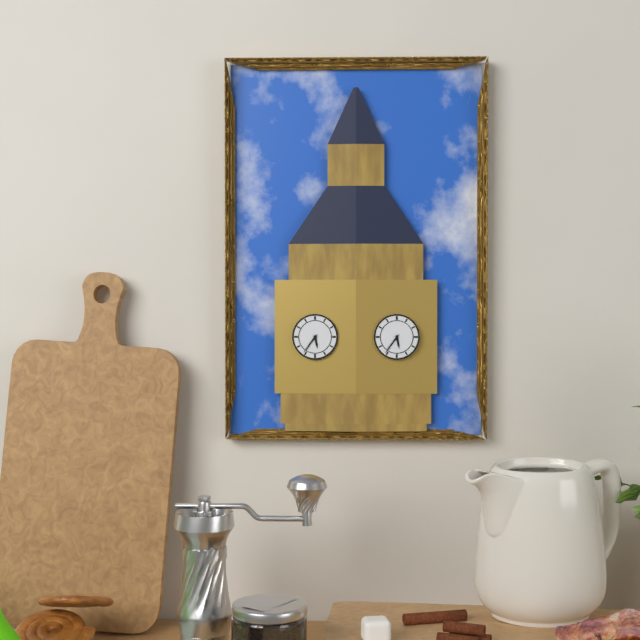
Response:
h=5 m=36
